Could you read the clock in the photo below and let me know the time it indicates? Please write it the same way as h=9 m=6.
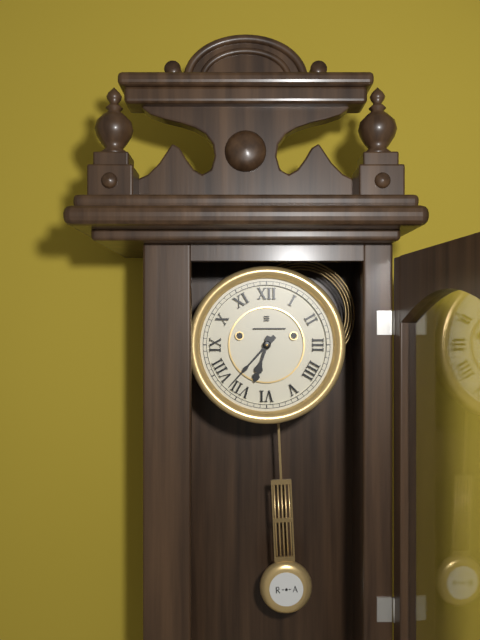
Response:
h=6 m=37
